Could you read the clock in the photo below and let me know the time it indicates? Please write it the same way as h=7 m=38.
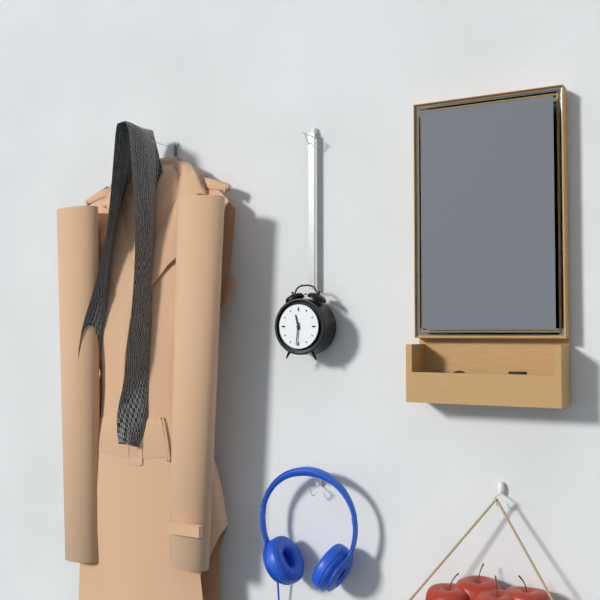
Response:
h=11 m=31
